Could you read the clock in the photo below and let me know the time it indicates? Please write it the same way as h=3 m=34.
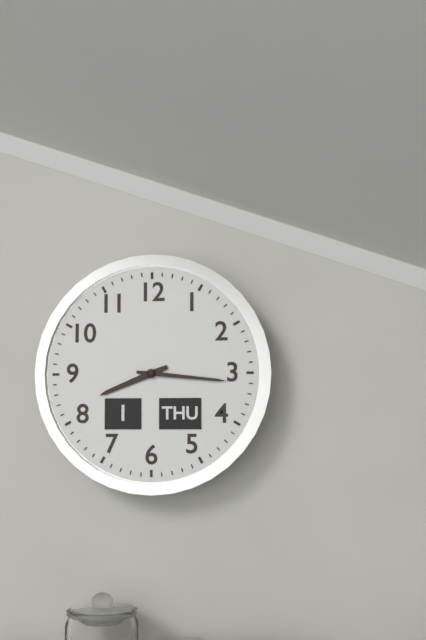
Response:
h=8 m=16
